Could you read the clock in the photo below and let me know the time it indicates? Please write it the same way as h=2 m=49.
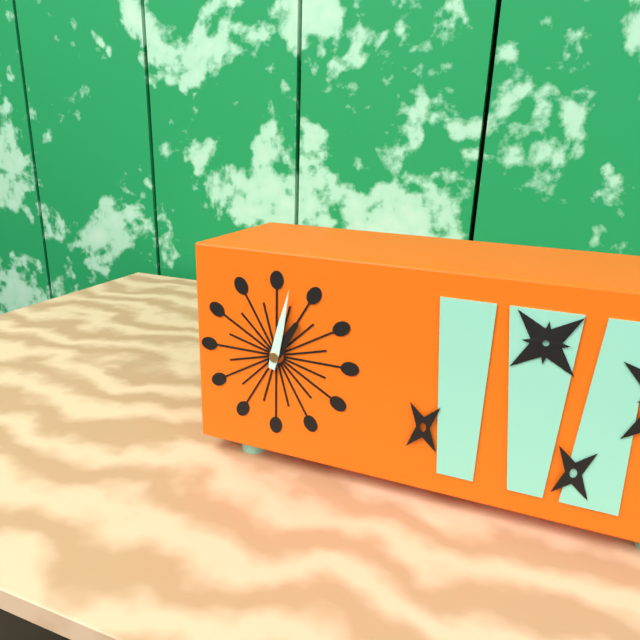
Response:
h=1 m=2
